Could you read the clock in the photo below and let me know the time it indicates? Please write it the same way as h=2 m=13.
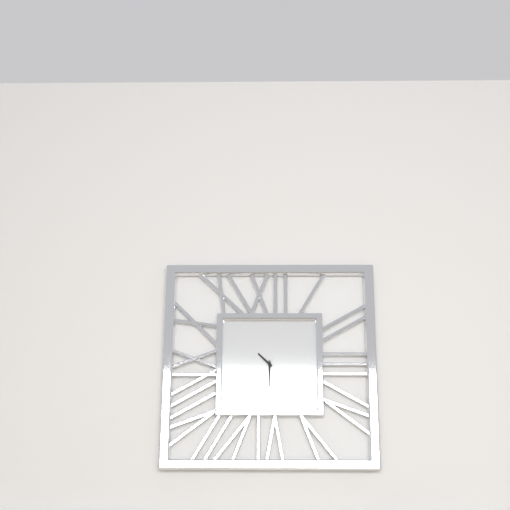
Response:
h=10 m=30
